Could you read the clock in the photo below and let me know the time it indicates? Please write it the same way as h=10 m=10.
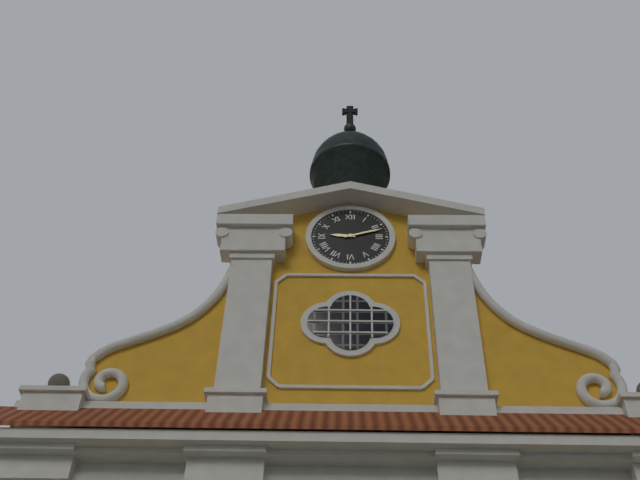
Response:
h=9 m=12
